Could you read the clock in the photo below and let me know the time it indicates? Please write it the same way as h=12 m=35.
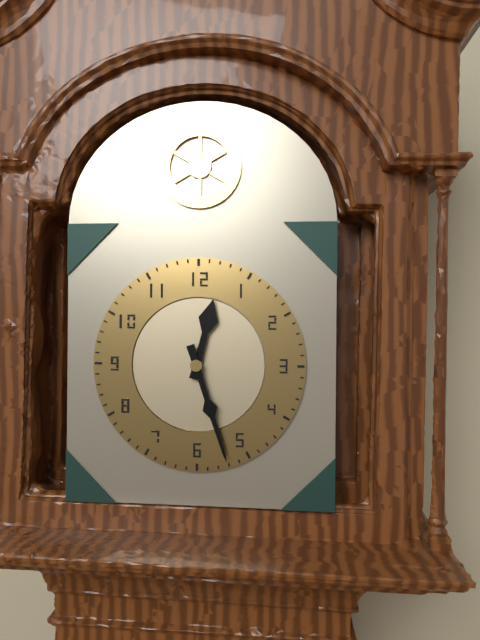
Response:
h=12 m=27
